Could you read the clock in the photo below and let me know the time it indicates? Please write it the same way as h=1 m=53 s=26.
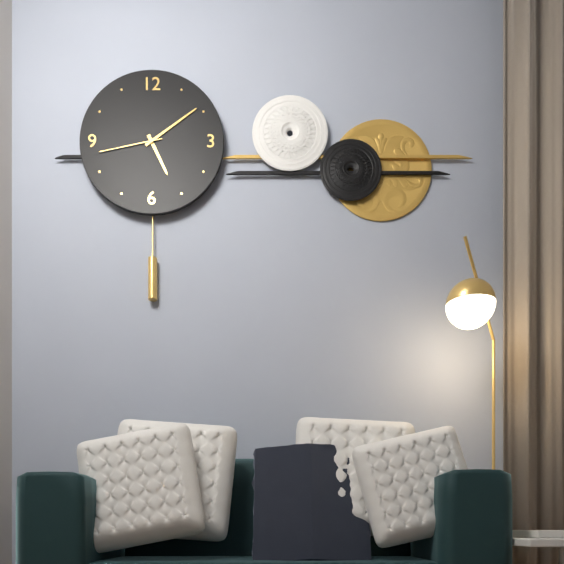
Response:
h=5 m=9 s=43
